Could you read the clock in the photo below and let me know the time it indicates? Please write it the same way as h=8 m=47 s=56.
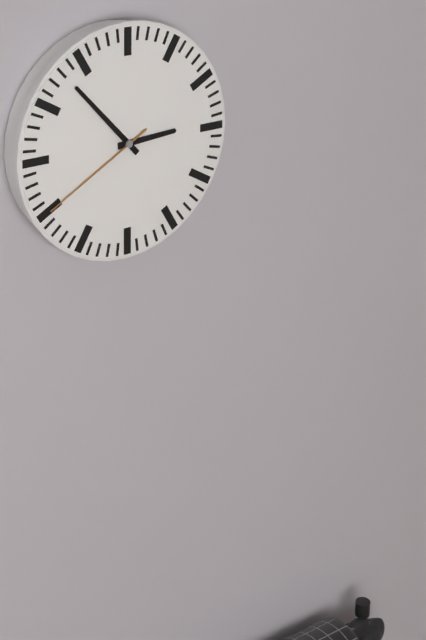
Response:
h=2 m=53 s=40
